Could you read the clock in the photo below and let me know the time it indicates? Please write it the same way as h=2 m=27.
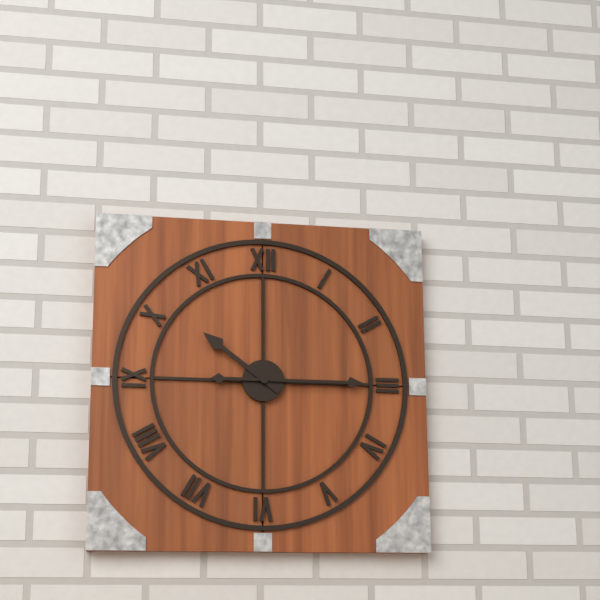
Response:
h=10 m=15
